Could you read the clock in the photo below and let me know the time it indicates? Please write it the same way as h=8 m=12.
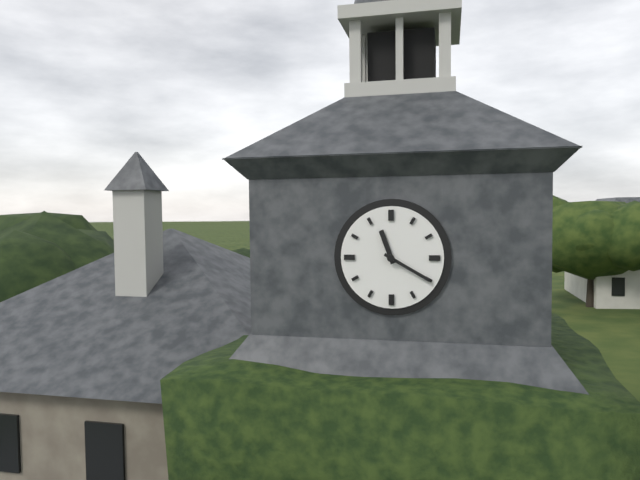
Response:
h=11 m=20
